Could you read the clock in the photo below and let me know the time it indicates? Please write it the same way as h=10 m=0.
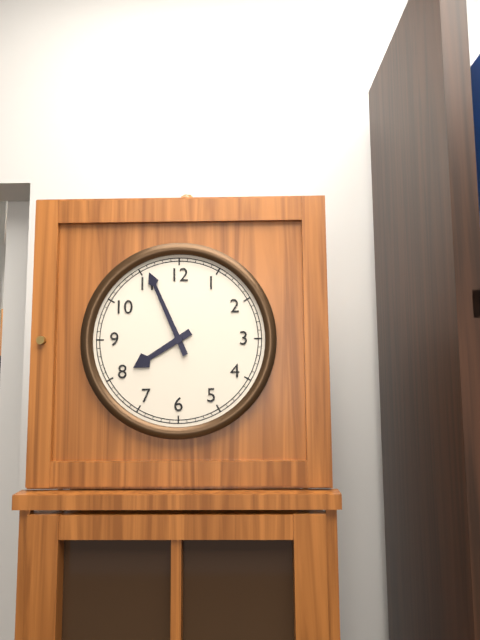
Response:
h=7 m=56
